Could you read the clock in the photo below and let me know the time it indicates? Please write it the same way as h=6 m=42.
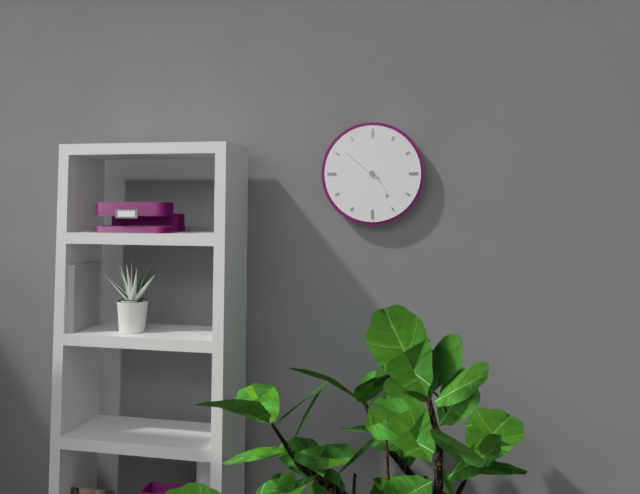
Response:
h=4 m=52
